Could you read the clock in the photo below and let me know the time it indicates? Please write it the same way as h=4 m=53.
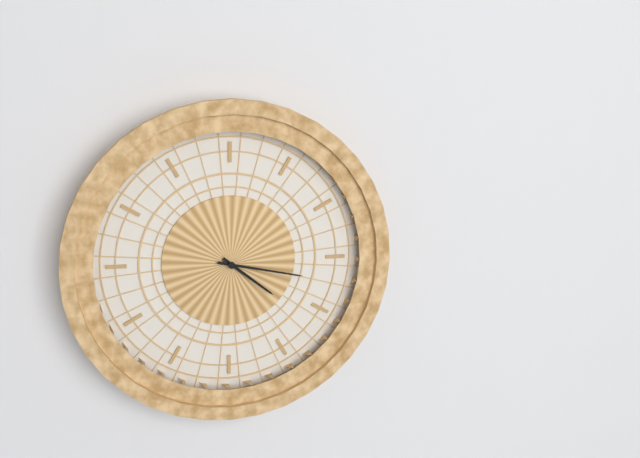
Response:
h=4 m=17
